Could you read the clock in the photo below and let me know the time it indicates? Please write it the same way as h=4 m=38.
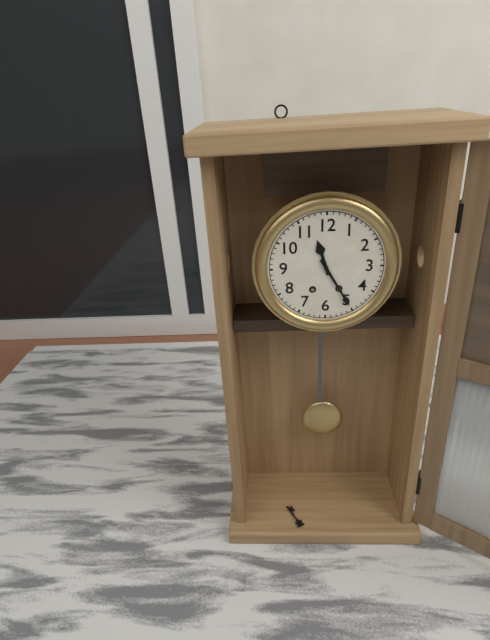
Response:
h=11 m=25
